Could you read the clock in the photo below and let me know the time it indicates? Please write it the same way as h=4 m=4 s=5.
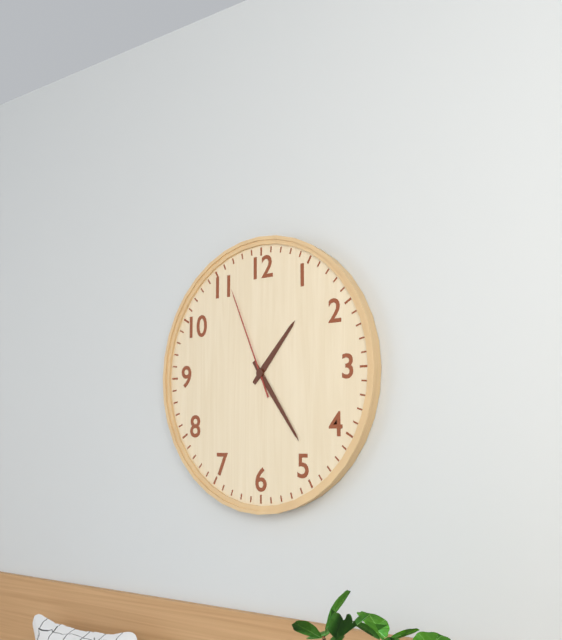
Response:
h=1 m=24 s=56
